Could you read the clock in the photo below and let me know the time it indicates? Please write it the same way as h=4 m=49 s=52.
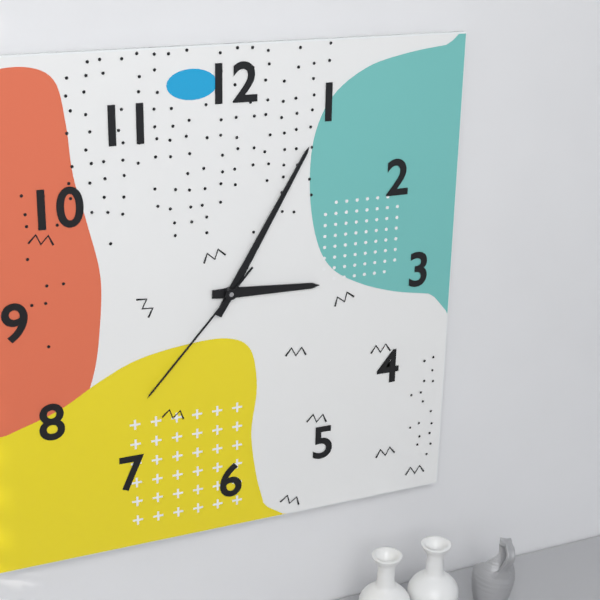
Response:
h=3 m=5 s=37
